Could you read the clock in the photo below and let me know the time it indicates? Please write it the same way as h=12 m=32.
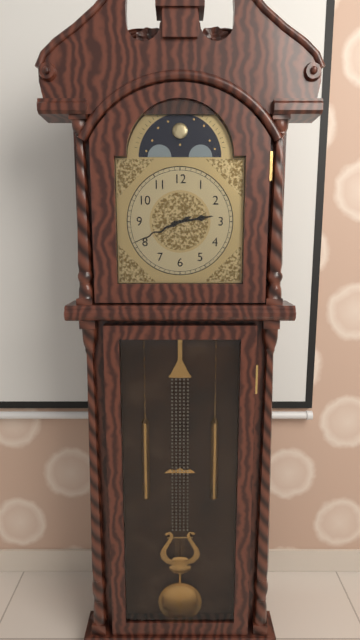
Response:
h=2 m=41
